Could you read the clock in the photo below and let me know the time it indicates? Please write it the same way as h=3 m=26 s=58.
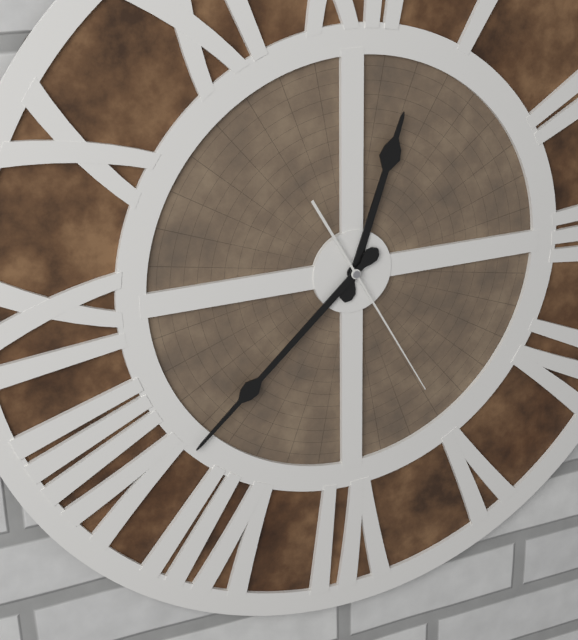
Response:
h=12 m=38 s=25
